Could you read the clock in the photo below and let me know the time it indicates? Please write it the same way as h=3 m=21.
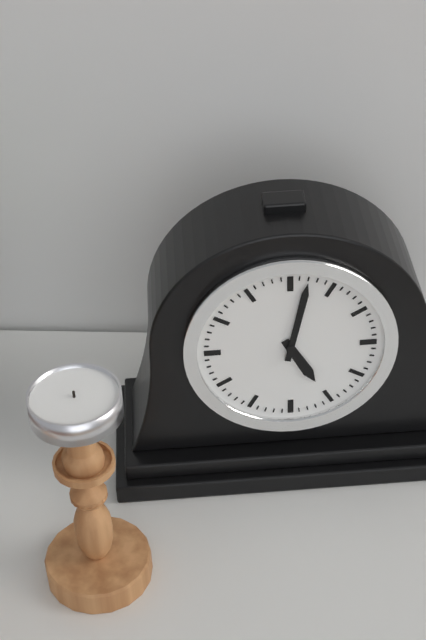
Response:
h=5 m=2
